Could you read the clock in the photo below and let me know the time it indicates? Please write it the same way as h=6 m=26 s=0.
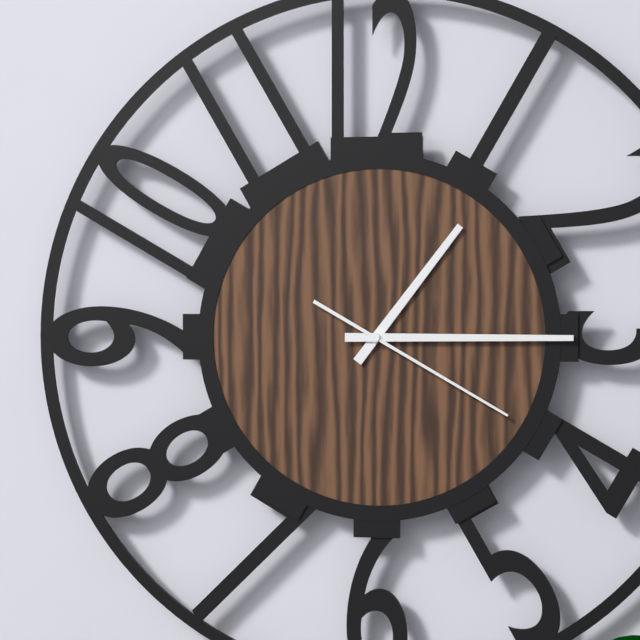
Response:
h=1 m=15 s=20
